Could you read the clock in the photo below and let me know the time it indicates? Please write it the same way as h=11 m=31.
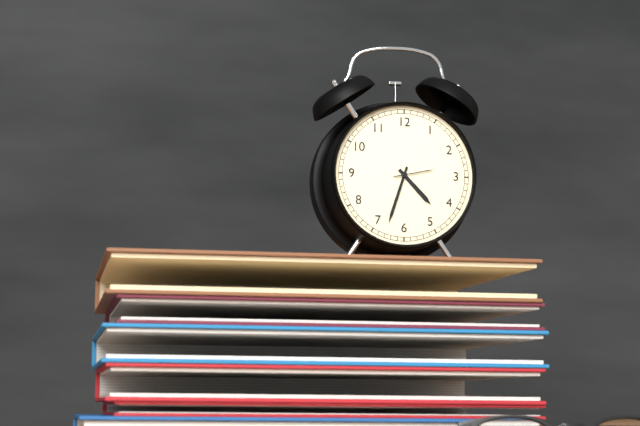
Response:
h=4 m=33
